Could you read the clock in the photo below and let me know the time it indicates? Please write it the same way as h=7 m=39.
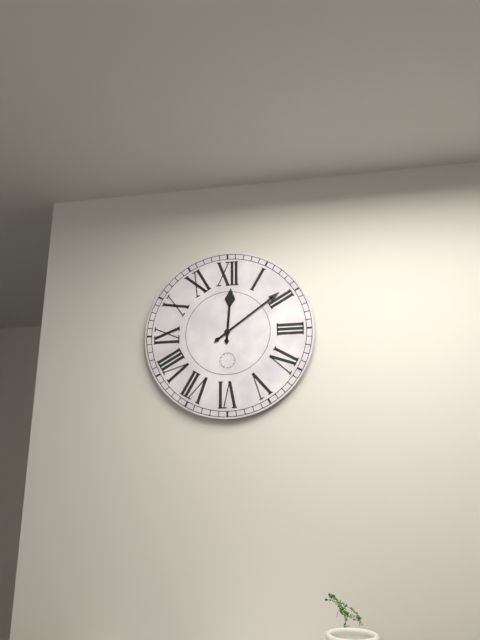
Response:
h=12 m=9
